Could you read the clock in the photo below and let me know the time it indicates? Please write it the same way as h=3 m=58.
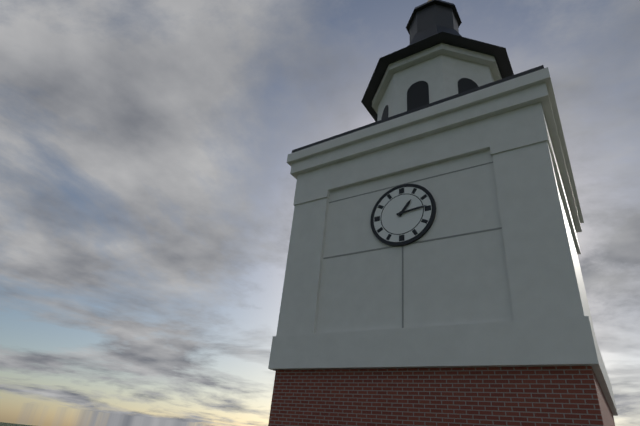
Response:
h=1 m=14
